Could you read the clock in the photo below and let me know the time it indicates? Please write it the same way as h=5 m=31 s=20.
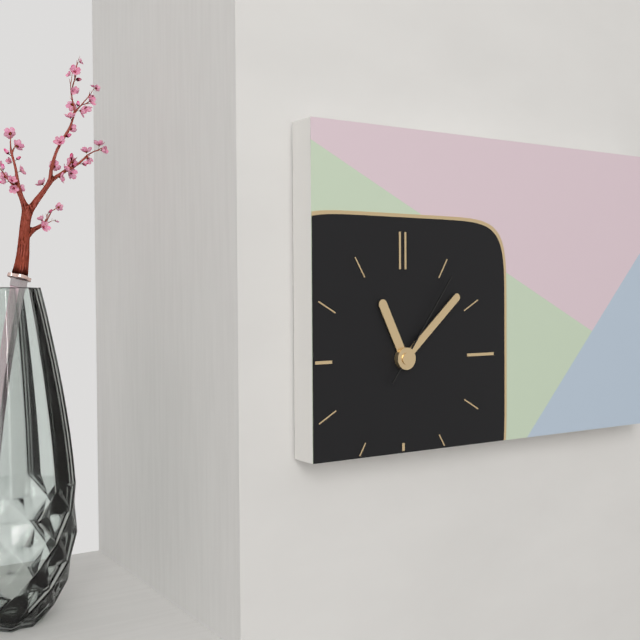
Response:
h=11 m=8 s=6
